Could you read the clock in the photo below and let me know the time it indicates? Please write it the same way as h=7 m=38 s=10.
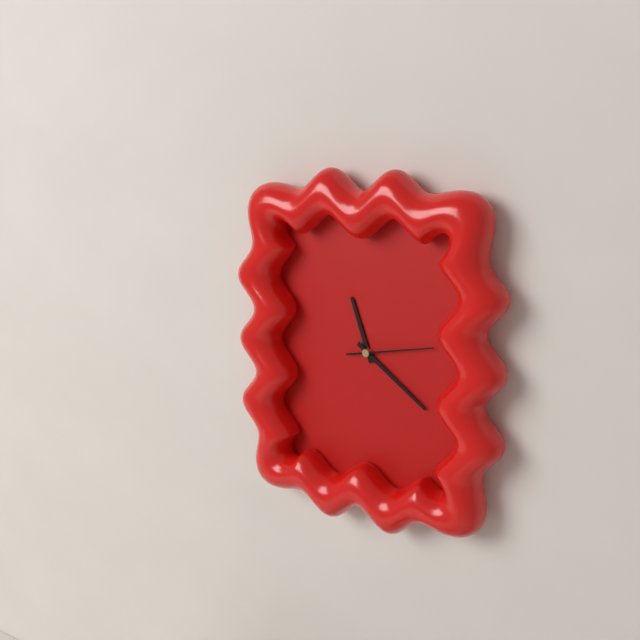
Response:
h=11 m=21 s=13
